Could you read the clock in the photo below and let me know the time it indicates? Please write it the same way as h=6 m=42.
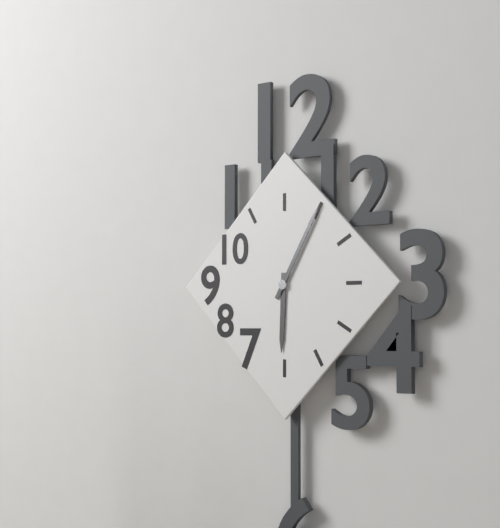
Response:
h=6 m=5
